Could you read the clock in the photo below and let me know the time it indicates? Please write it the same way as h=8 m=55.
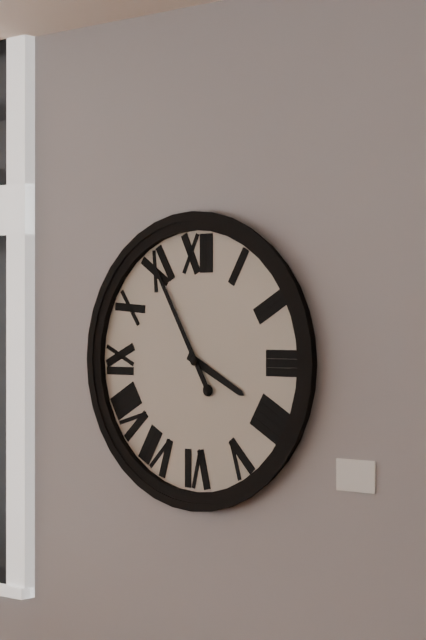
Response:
h=3 m=55
